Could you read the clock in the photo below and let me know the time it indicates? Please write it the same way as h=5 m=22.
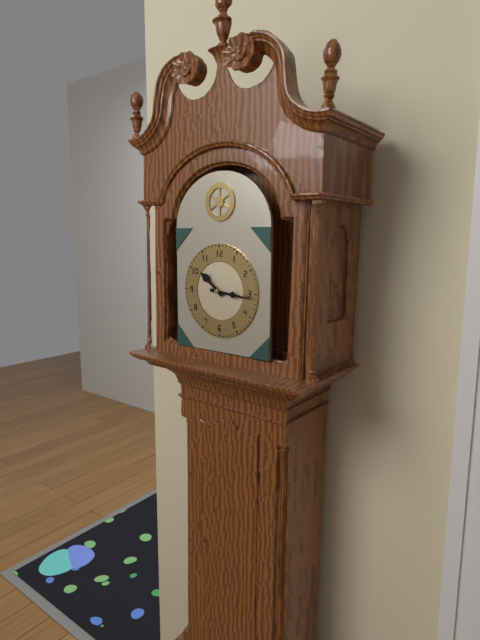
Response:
h=10 m=16
